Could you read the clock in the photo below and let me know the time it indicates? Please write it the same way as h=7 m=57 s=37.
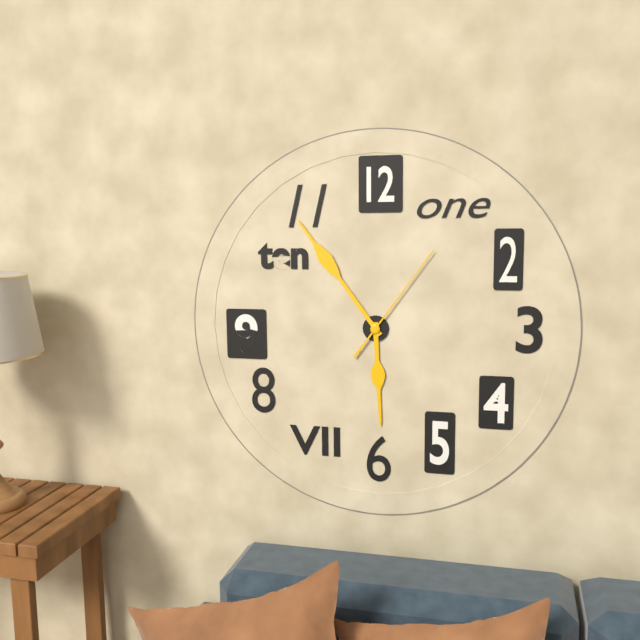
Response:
h=5 m=54 s=6
